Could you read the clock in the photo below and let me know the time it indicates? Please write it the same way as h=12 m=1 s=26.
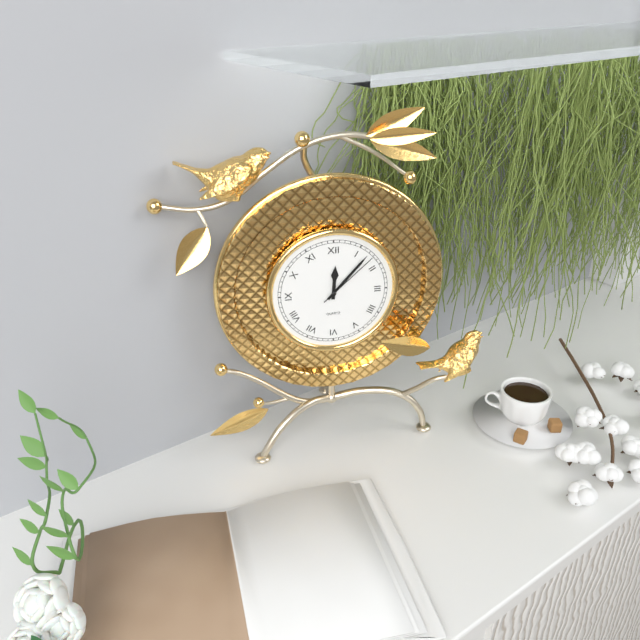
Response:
h=12 m=7 s=8
